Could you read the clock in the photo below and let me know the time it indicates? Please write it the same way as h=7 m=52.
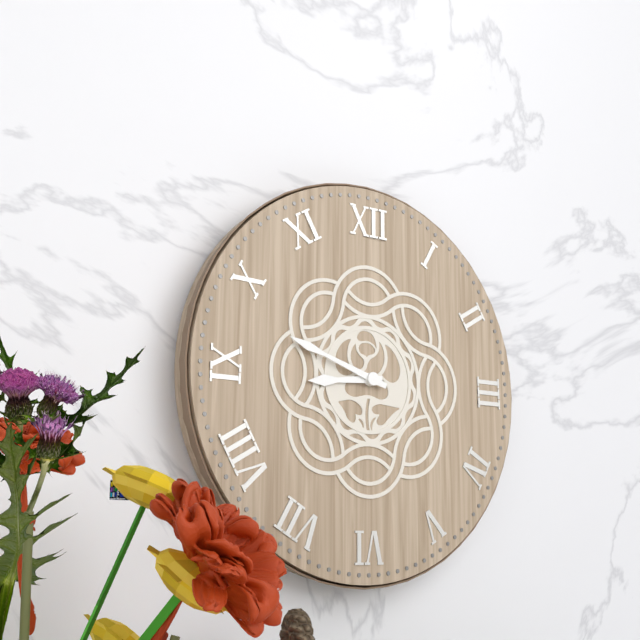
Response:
h=8 m=48
